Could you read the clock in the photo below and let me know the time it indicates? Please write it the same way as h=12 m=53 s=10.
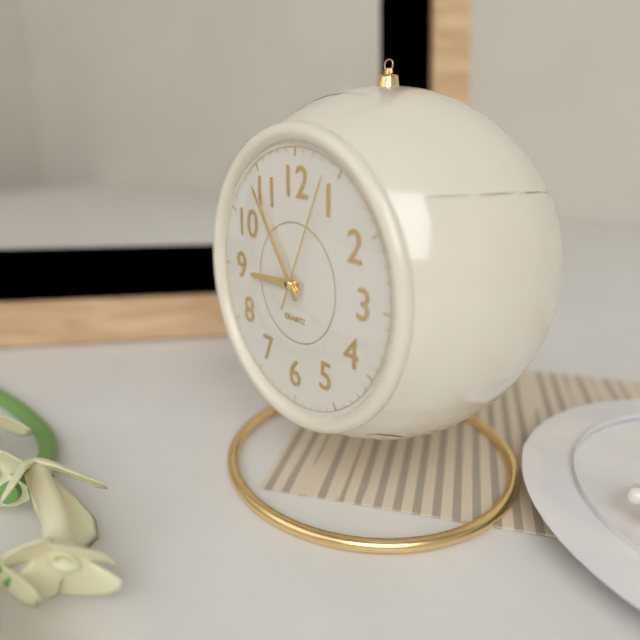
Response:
h=8 m=54 s=4
